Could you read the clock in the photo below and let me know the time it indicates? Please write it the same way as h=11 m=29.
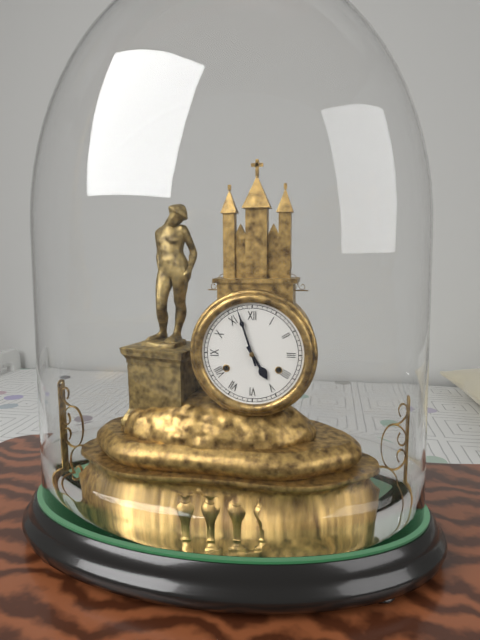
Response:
h=4 m=57
